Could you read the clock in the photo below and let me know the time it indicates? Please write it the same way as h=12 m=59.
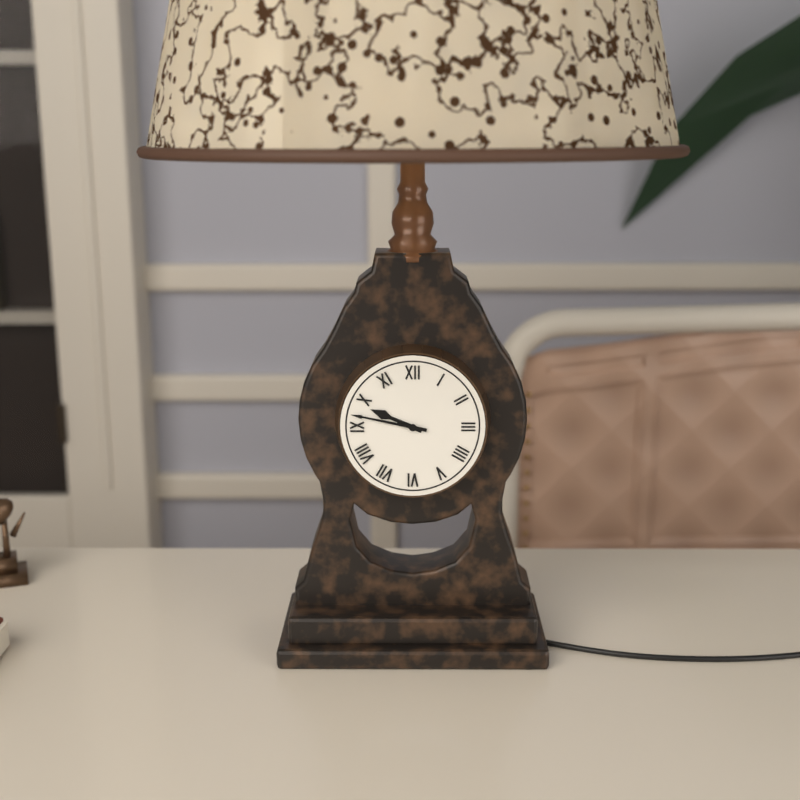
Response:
h=9 m=47
